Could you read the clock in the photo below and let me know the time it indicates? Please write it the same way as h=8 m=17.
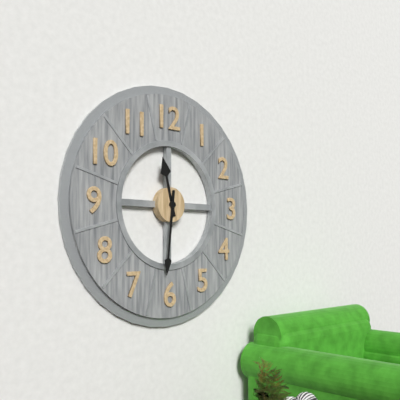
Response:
h=11 m=31
